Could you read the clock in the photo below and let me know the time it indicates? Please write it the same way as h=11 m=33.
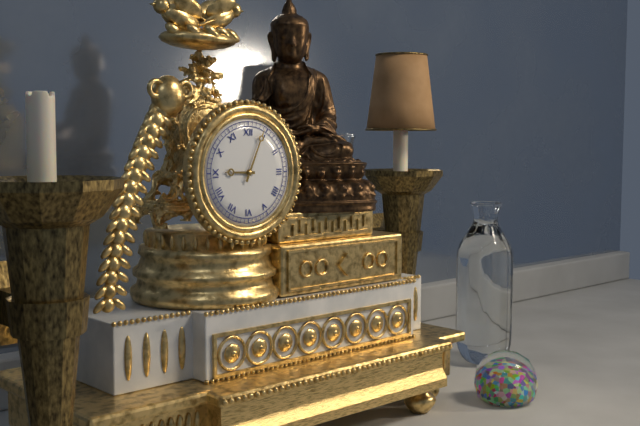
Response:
h=9 m=4
